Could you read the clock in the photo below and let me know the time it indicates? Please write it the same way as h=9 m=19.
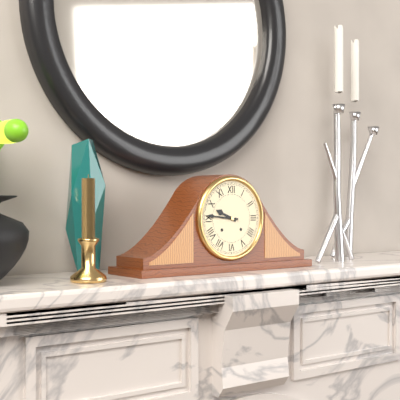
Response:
h=9 m=46
